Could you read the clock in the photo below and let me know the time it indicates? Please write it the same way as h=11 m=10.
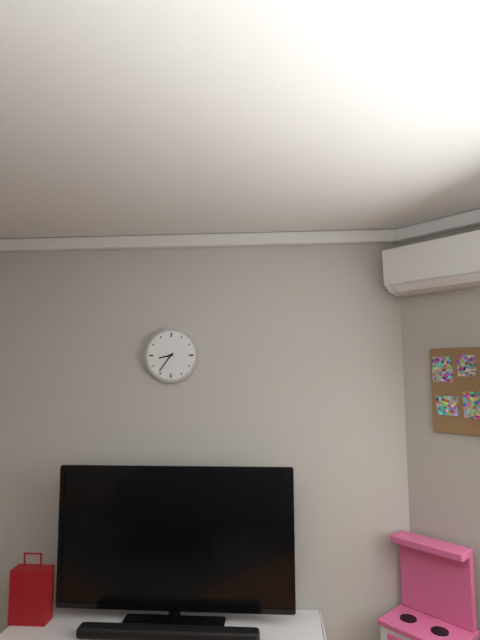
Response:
h=8 m=36
